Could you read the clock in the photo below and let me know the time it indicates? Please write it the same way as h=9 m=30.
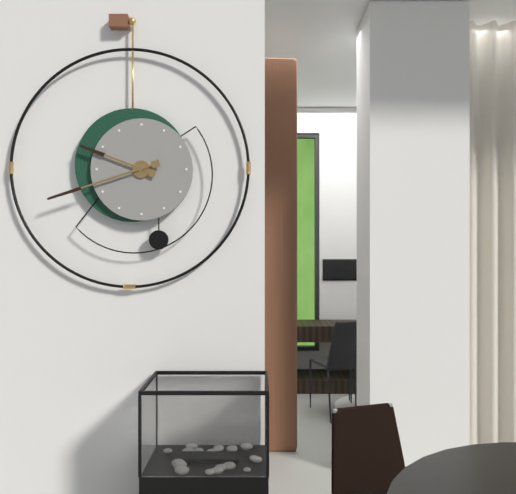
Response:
h=9 m=42
